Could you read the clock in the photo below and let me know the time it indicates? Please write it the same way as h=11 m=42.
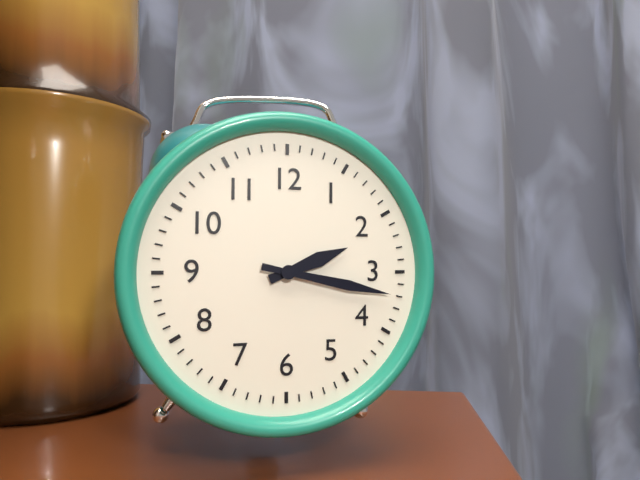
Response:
h=2 m=17
